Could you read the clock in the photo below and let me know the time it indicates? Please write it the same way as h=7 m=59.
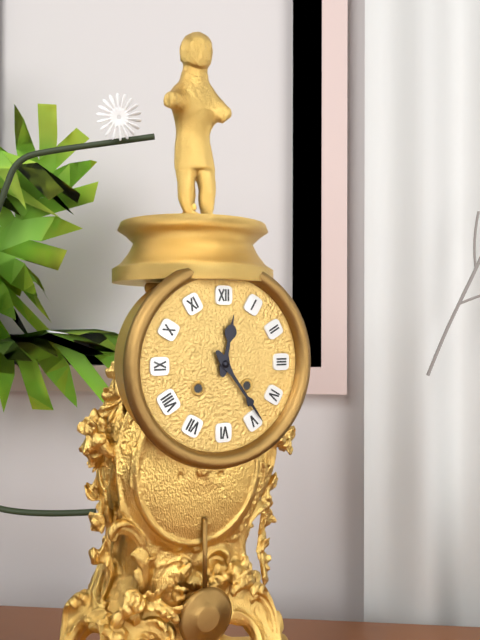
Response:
h=12 m=24
